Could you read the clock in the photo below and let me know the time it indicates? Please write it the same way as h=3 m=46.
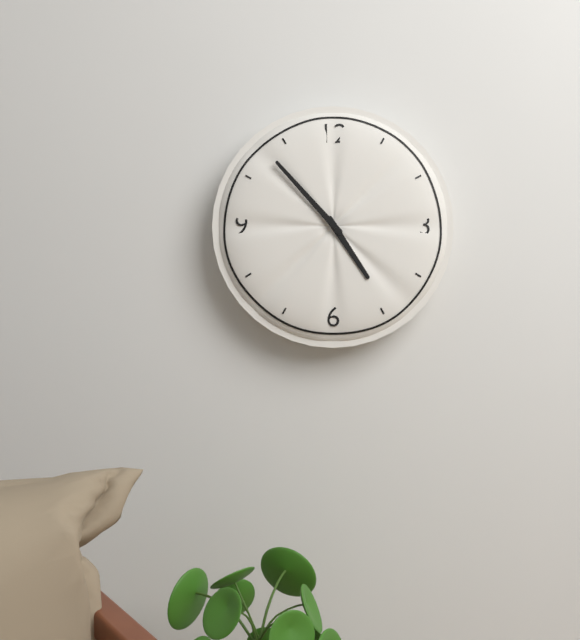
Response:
h=4 m=53
